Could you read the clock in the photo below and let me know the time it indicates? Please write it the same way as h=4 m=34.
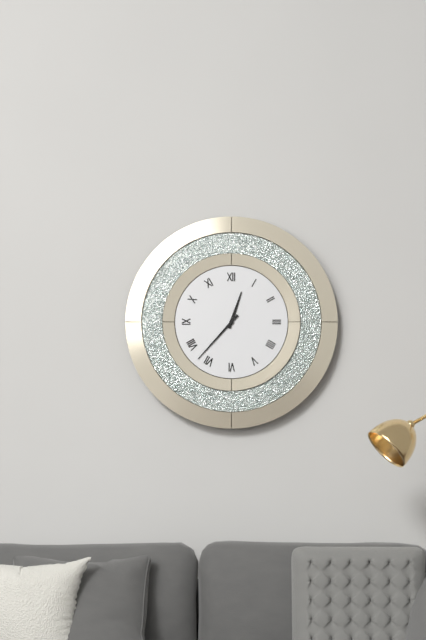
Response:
h=12 m=37
